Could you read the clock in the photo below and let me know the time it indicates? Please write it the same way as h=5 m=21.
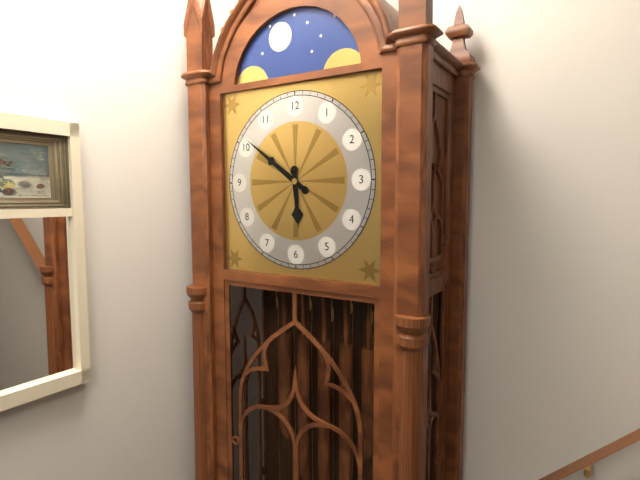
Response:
h=5 m=51
